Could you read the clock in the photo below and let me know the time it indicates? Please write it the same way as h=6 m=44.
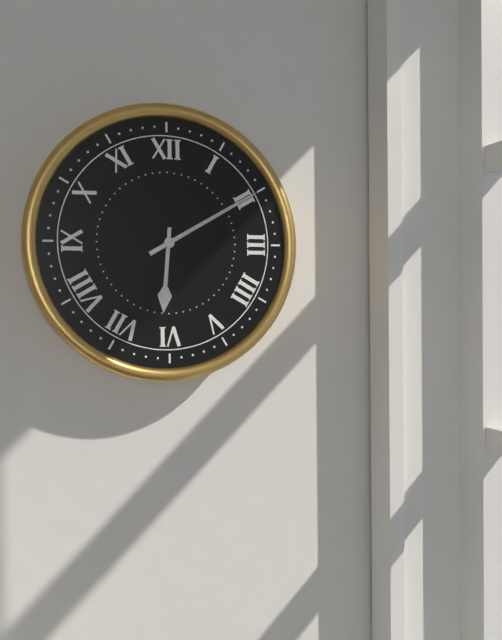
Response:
h=6 m=10
